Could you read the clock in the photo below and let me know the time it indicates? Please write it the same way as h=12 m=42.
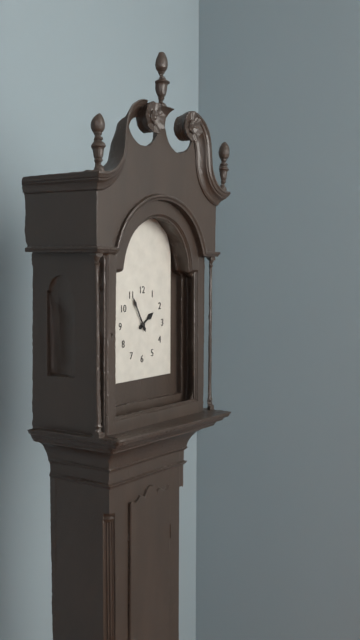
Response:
h=1 m=55
